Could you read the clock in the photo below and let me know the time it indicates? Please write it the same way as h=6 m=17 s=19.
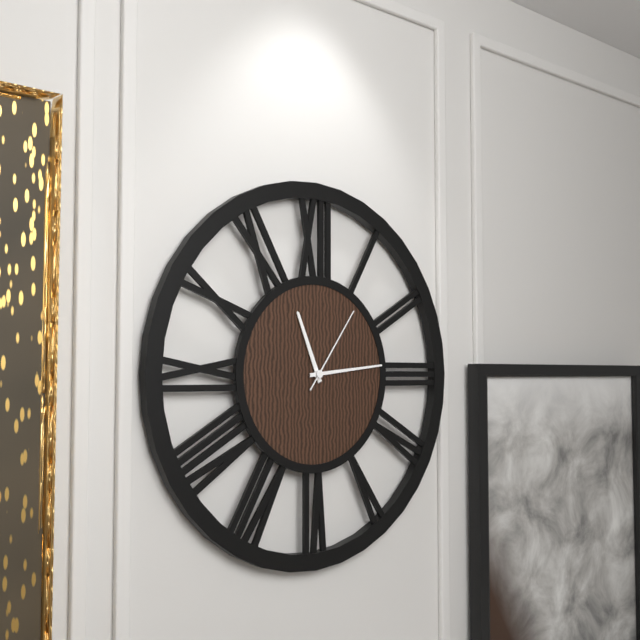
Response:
h=11 m=14 s=6
